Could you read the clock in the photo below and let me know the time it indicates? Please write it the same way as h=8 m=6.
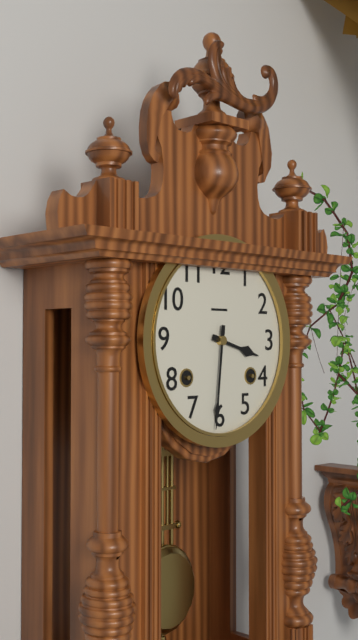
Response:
h=3 m=31
